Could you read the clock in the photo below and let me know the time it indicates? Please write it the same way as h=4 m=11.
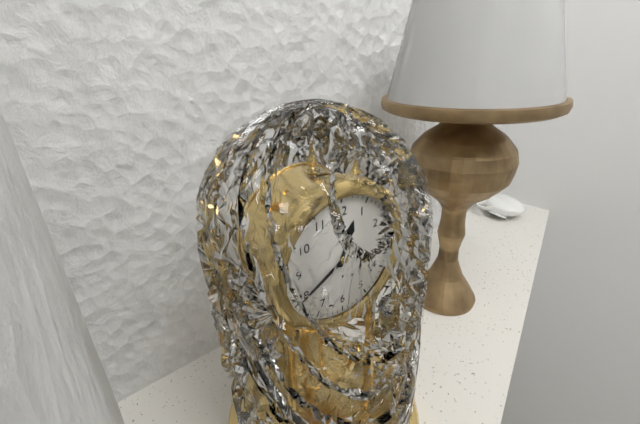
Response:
h=12 m=40
